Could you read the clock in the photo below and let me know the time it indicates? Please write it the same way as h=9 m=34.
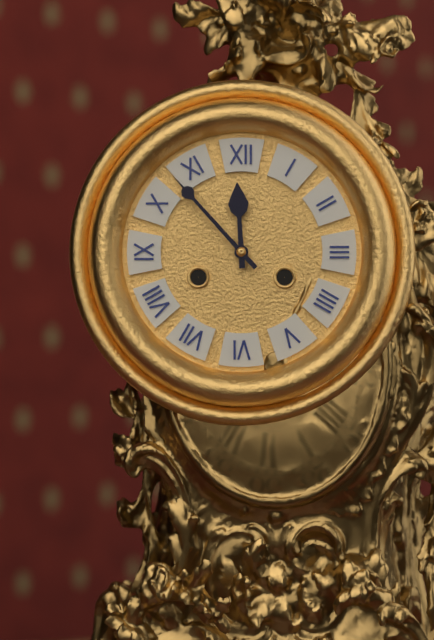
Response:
h=11 m=53
